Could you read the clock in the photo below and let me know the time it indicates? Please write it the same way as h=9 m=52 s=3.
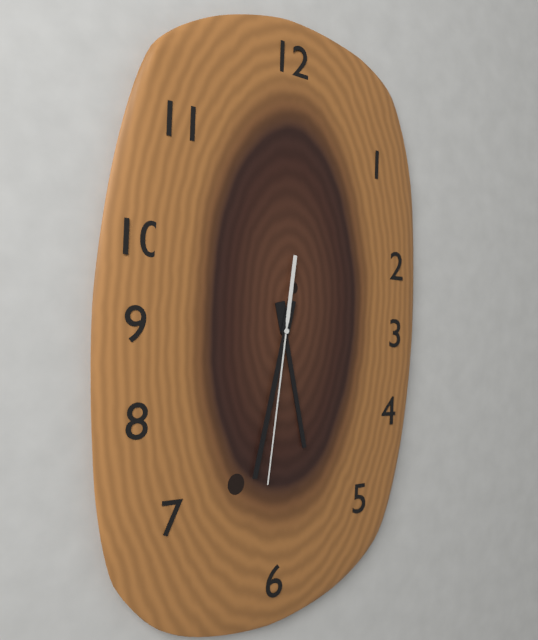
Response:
h=5 m=32 s=31
